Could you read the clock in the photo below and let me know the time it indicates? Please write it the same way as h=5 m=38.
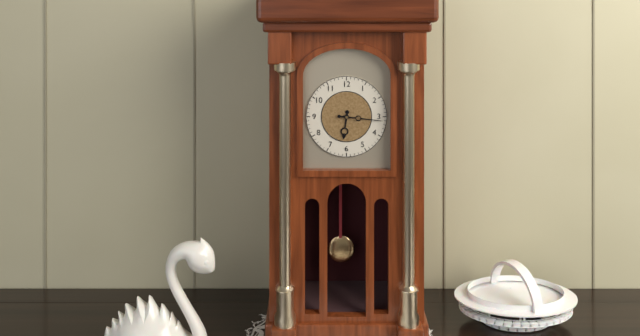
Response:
h=6 m=16
